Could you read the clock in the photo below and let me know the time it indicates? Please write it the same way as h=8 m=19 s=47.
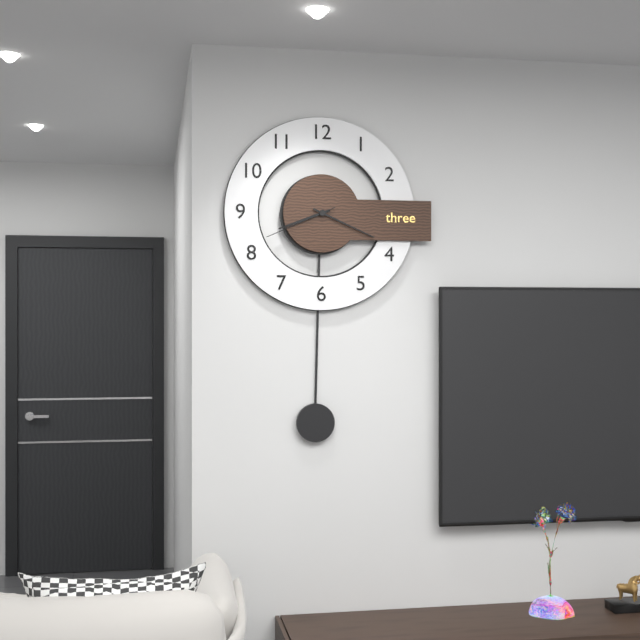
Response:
h=8 m=19 s=41
